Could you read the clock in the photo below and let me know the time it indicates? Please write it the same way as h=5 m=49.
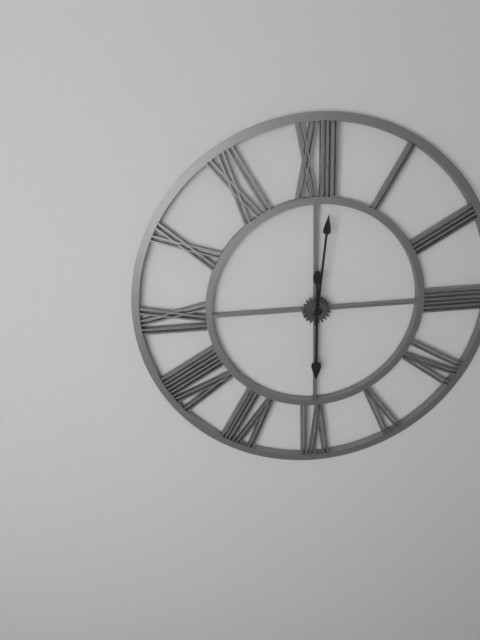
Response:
h=6 m=1
